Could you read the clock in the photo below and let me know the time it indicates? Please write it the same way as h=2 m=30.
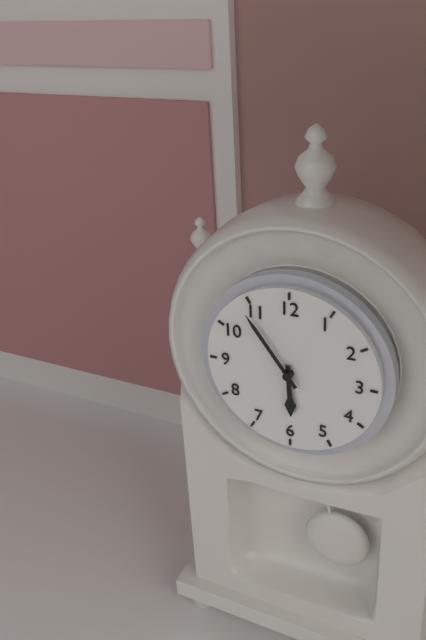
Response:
h=5 m=54
